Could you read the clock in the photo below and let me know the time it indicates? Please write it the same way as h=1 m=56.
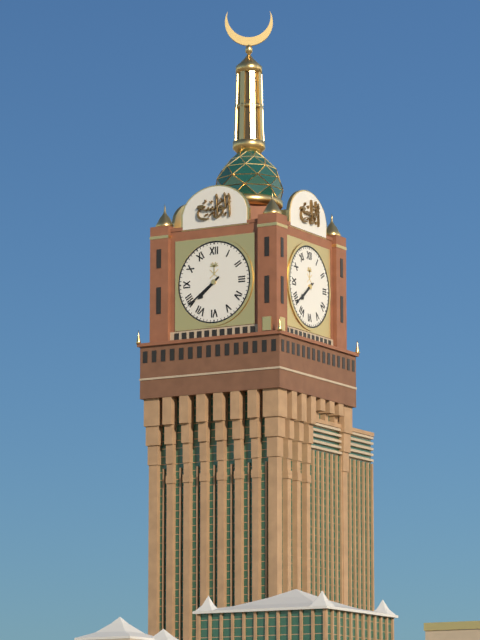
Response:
h=7 m=39
